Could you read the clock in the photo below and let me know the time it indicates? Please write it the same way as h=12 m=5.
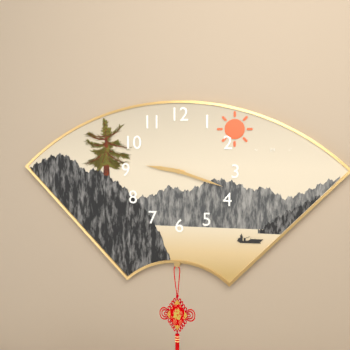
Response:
h=9 m=18
